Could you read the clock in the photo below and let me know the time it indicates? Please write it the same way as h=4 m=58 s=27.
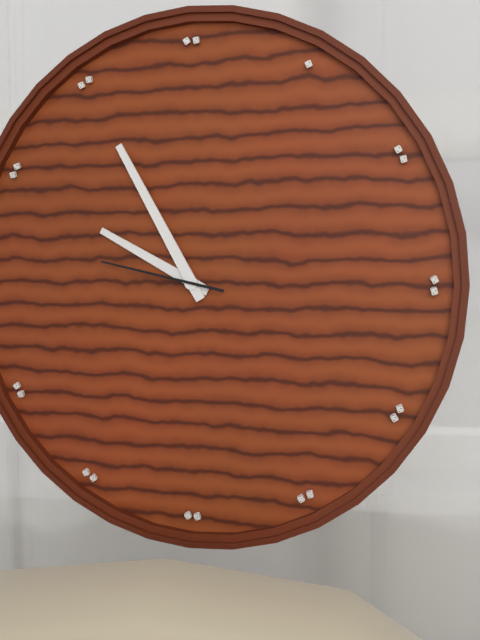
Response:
h=9 m=55 s=47
